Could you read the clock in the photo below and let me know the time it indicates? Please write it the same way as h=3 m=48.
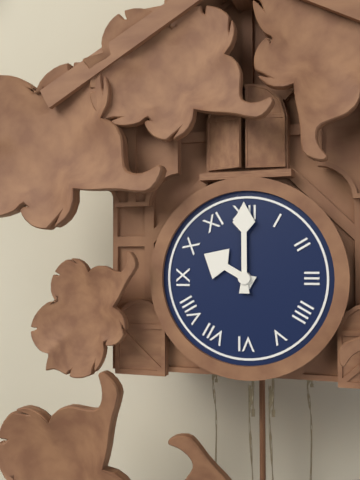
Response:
h=10 m=0
